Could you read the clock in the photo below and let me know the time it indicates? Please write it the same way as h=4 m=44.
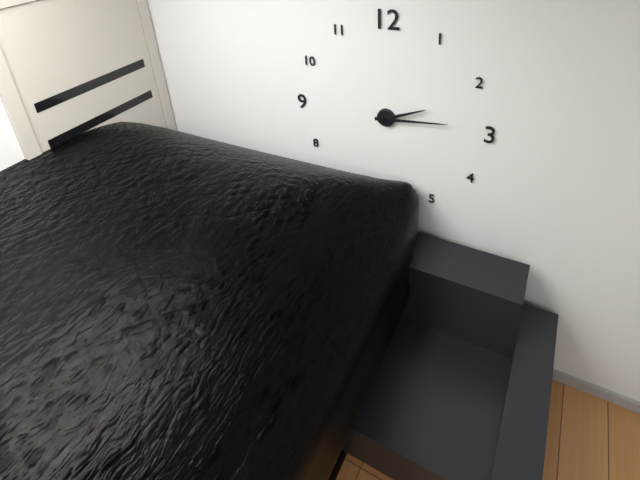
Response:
h=2 m=14
